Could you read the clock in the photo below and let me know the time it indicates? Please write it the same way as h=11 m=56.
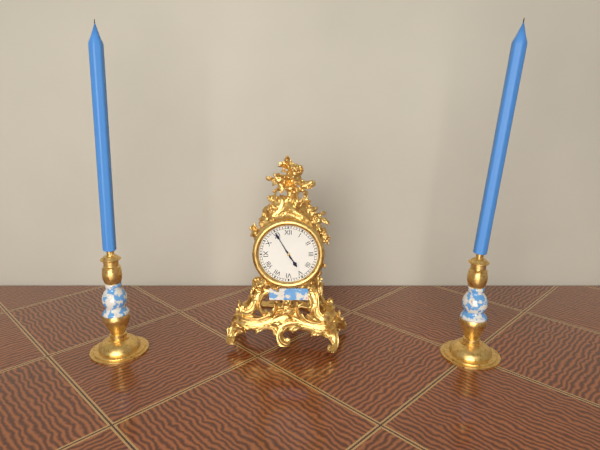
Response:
h=4 m=55
